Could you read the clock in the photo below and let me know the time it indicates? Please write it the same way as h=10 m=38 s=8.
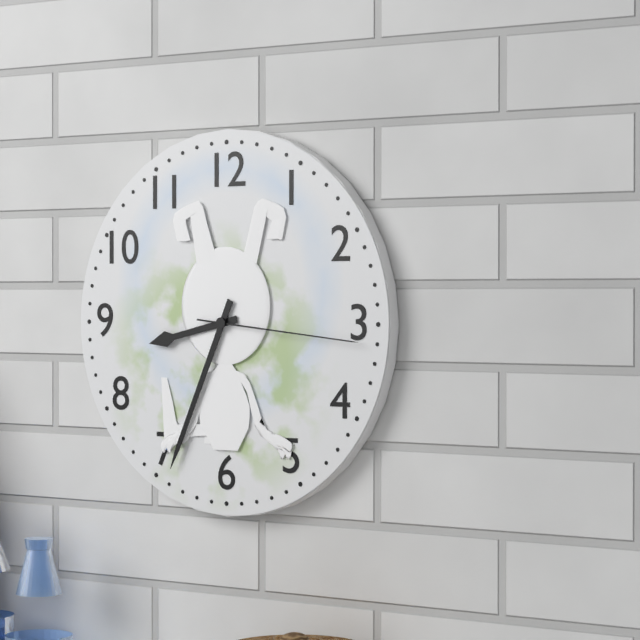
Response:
h=8 m=34 s=16
